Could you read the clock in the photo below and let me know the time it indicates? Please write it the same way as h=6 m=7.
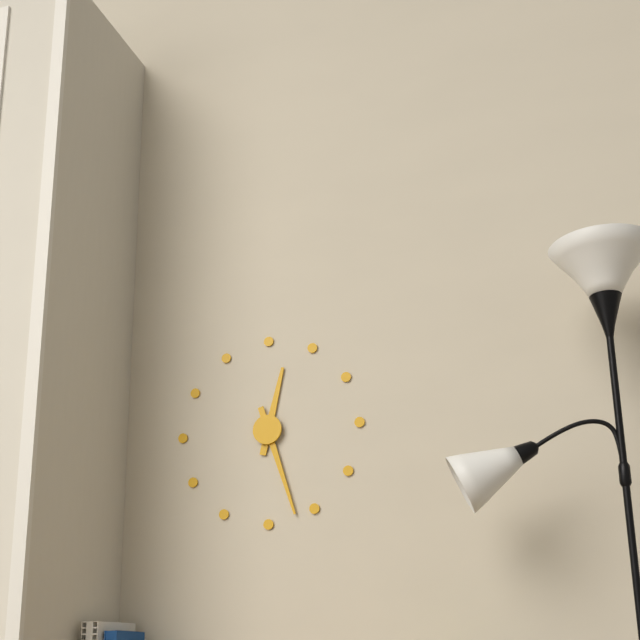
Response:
h=12 m=27
